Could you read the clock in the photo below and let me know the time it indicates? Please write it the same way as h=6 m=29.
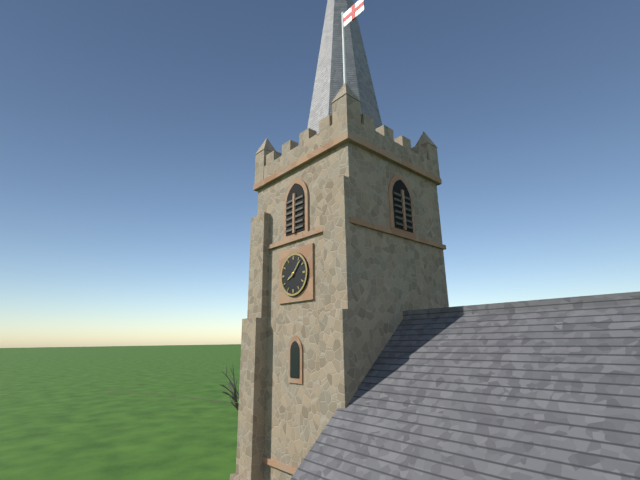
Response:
h=8 m=7
